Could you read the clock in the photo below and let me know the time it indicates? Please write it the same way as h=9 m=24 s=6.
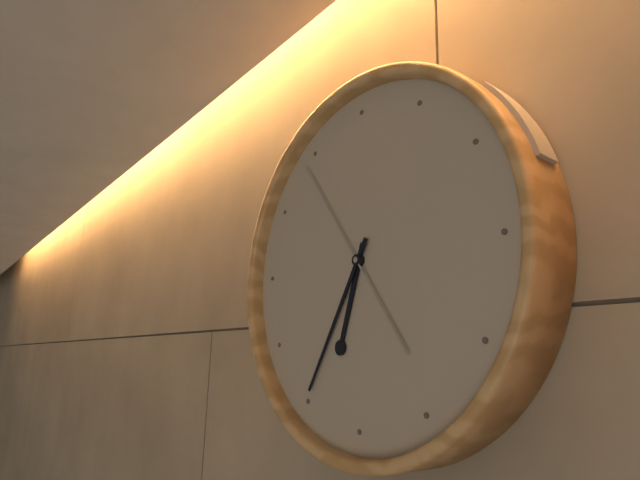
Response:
h=6 m=35 s=54
